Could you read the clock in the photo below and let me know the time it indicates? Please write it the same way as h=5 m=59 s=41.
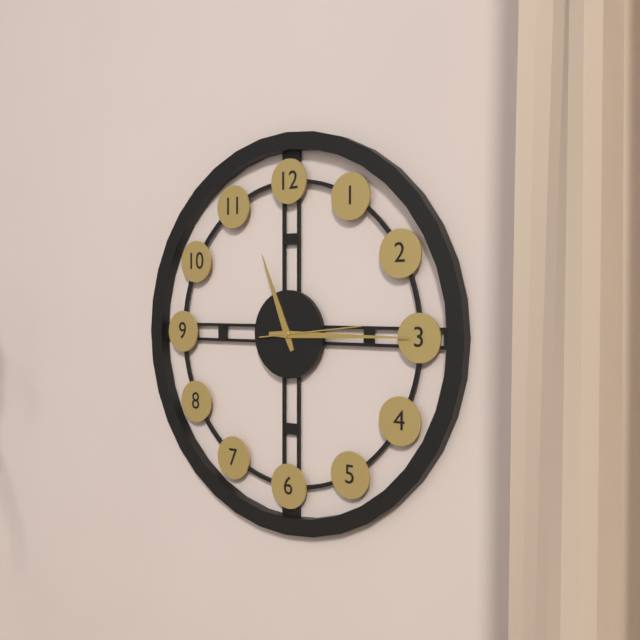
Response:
h=11 m=15 s=14
